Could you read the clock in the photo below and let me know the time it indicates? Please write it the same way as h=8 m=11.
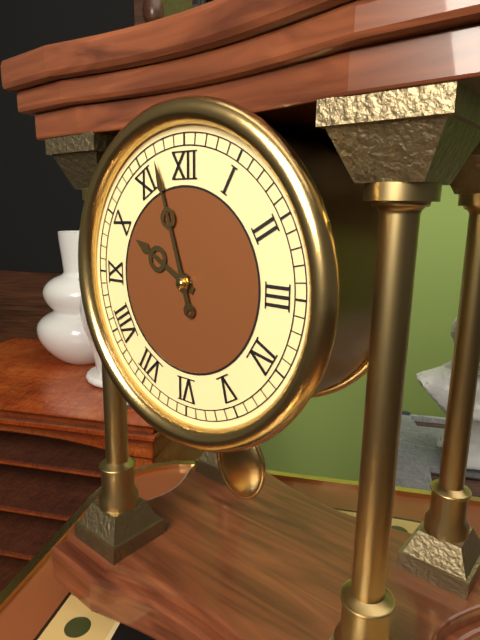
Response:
h=9 m=57
